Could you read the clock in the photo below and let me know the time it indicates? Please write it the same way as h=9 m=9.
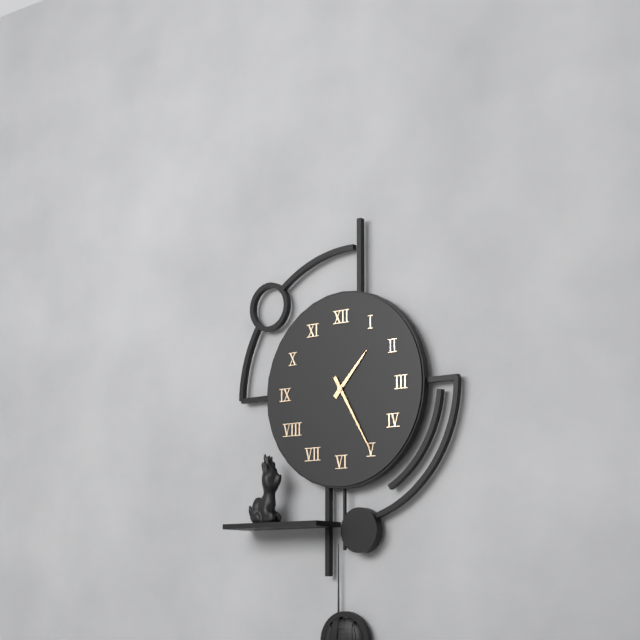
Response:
h=1 m=25
